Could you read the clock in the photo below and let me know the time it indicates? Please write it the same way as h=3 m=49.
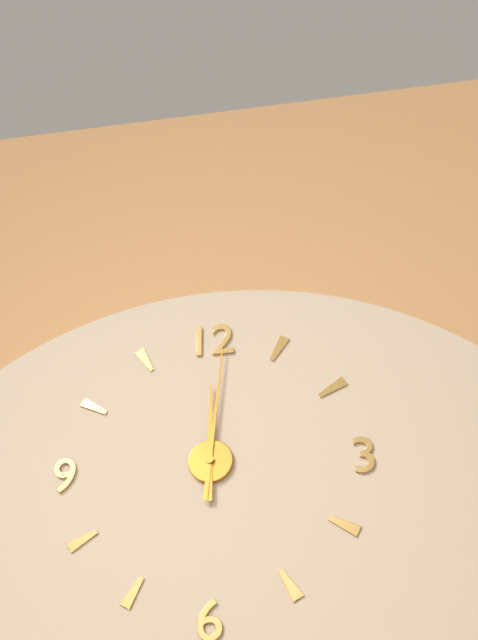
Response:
h=12 m=1
